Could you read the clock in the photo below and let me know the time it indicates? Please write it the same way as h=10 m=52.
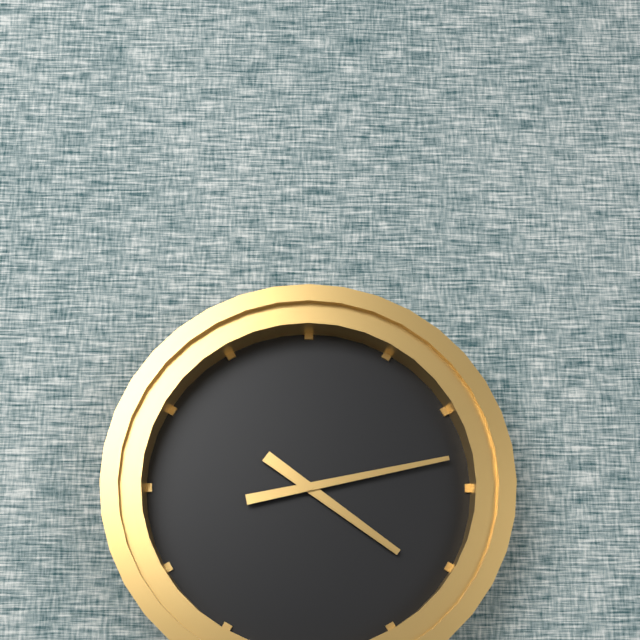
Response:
h=4 m=13
